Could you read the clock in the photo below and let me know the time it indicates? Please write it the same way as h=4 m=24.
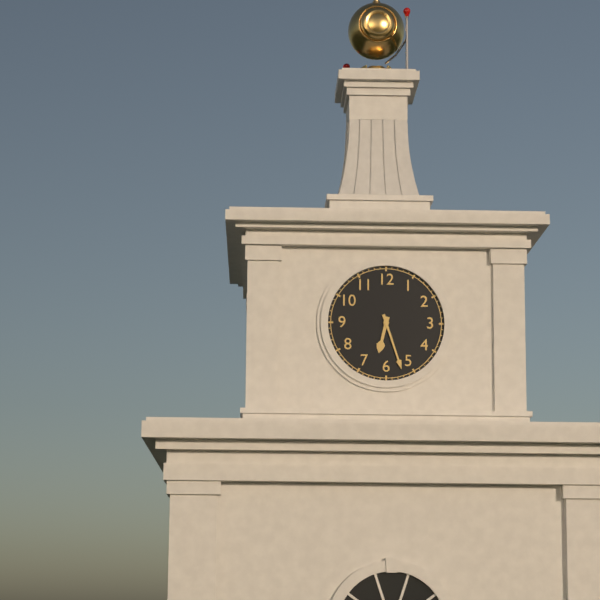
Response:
h=6 m=27
